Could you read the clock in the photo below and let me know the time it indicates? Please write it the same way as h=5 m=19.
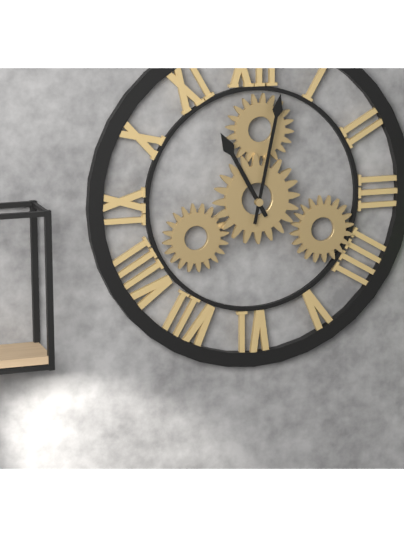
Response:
h=11 m=2
